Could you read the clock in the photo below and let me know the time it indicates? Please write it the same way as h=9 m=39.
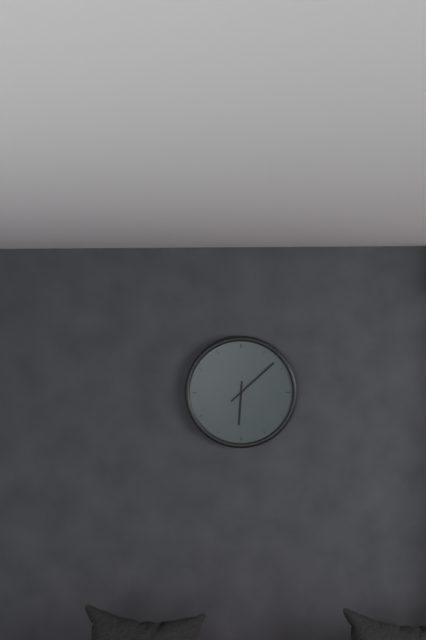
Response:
h=6 m=8
